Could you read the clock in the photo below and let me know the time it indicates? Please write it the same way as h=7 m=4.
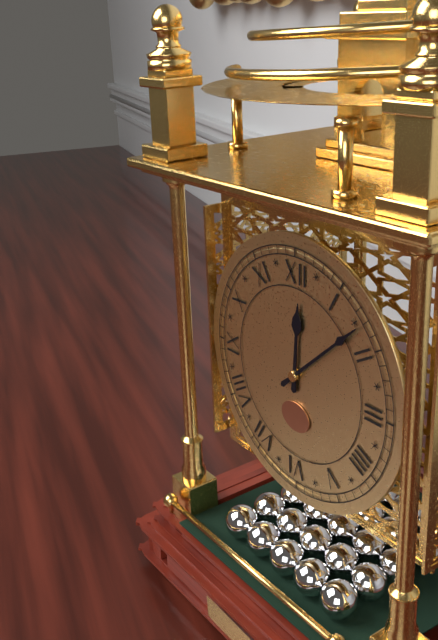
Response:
h=12 m=8
